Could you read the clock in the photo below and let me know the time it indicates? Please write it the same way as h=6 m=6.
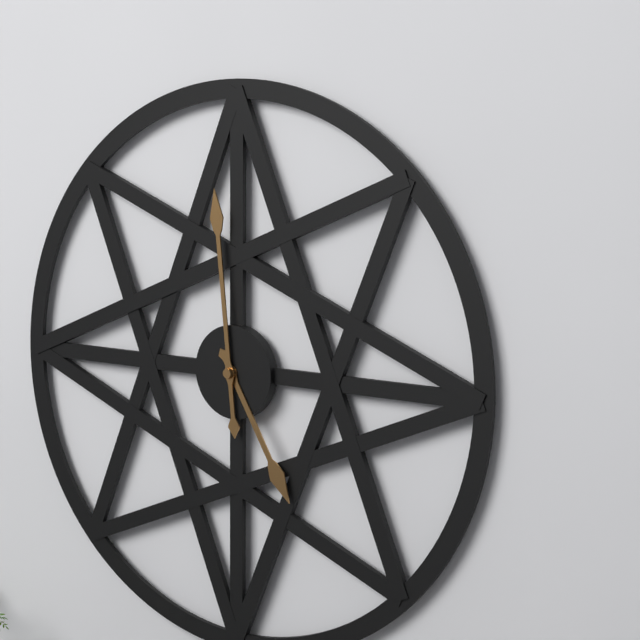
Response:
h=4 m=59
